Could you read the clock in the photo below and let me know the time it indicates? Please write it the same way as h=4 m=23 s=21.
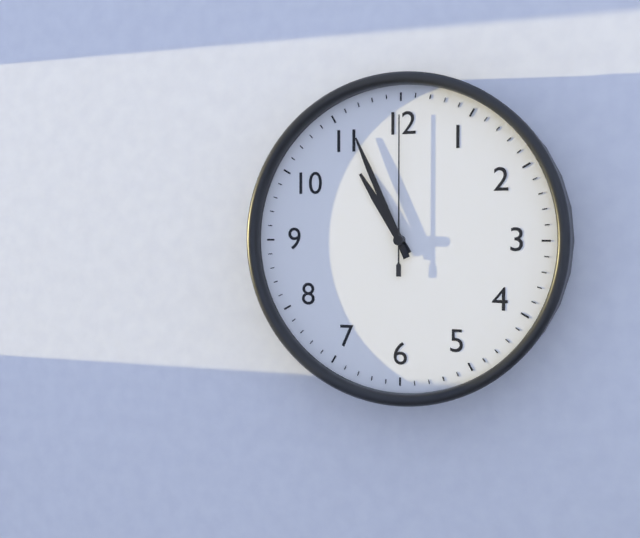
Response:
h=10 m=56 s=0
